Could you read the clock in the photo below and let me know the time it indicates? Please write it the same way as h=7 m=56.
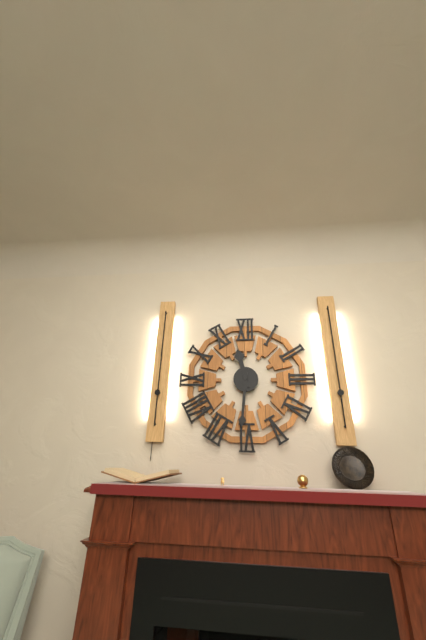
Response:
h=11 m=31
